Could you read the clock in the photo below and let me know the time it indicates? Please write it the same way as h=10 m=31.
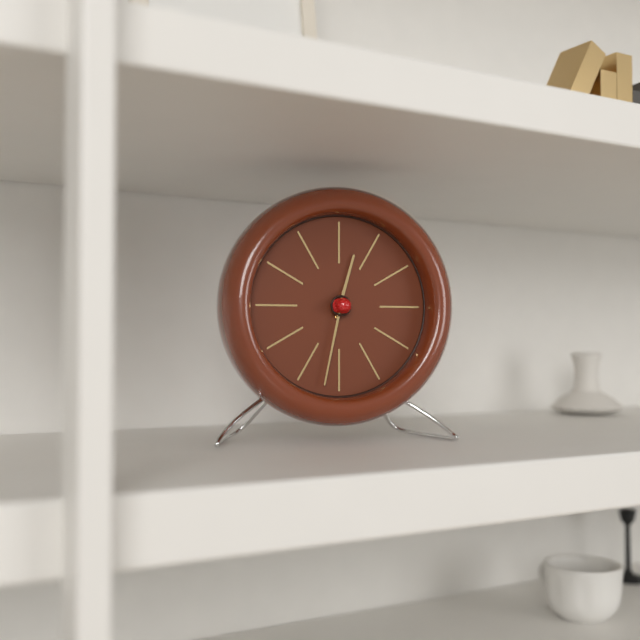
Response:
h=12 m=32
